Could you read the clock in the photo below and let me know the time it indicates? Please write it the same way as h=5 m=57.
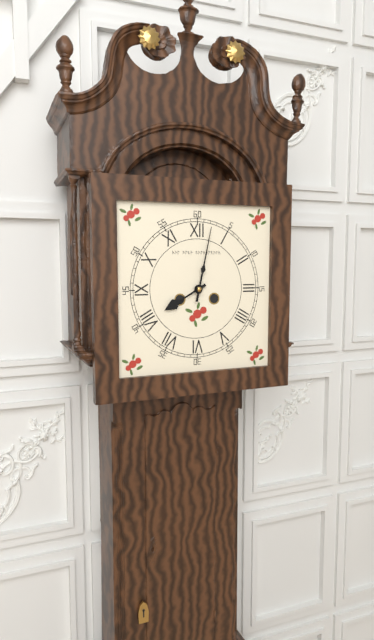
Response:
h=8 m=2
